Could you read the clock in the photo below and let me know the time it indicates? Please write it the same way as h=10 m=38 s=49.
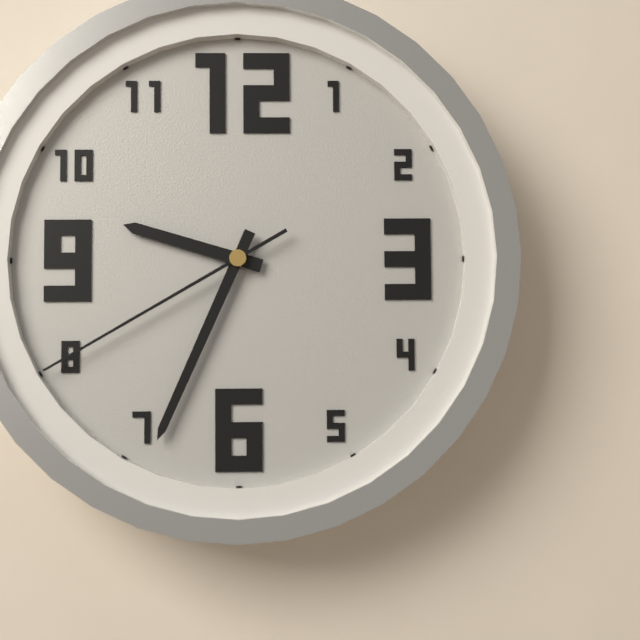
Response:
h=9 m=34 s=40
